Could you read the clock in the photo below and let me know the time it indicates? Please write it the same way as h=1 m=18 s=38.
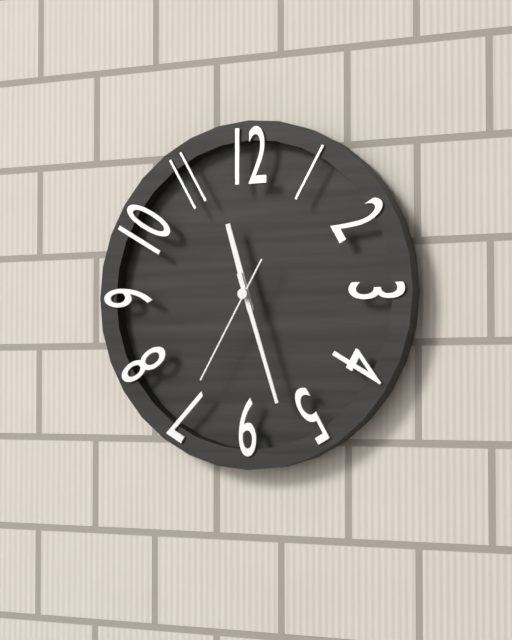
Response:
h=11 m=27 s=35
